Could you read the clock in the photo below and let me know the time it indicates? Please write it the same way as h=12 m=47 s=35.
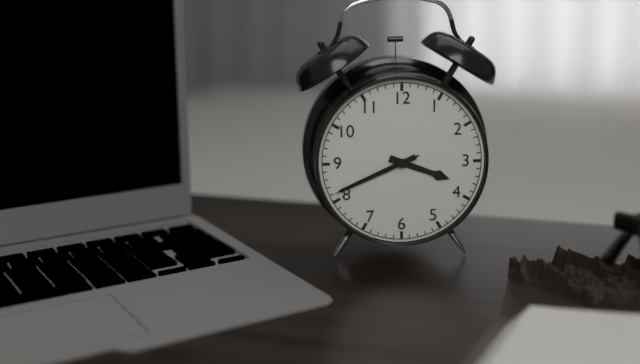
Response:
h=3 m=41 s=41
